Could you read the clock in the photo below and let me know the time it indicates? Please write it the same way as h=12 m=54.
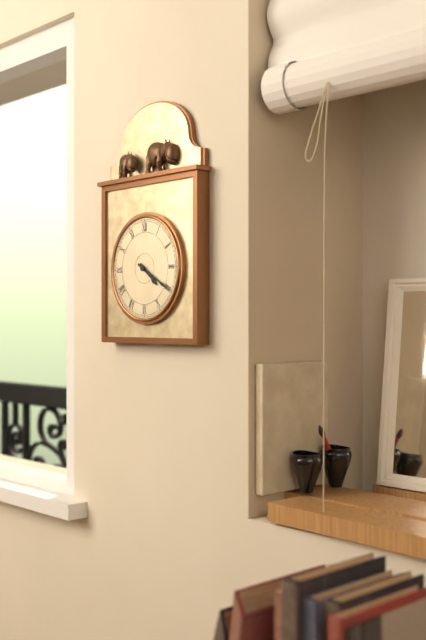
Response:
h=4 m=20
